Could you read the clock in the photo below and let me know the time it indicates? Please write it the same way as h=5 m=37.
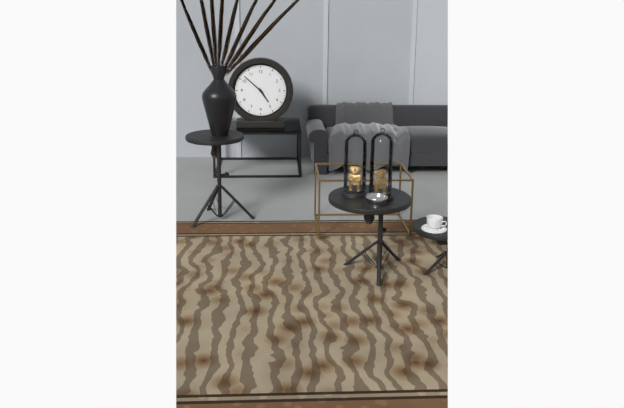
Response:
h=4 m=52
